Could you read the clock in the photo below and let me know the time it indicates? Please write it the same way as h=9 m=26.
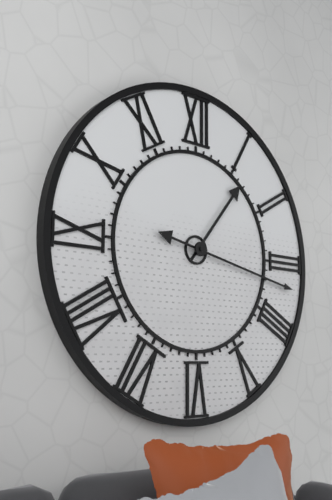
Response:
h=1 m=17
